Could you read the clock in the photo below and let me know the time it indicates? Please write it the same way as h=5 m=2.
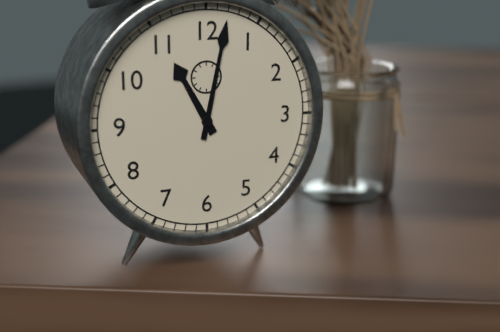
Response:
h=11 m=2
